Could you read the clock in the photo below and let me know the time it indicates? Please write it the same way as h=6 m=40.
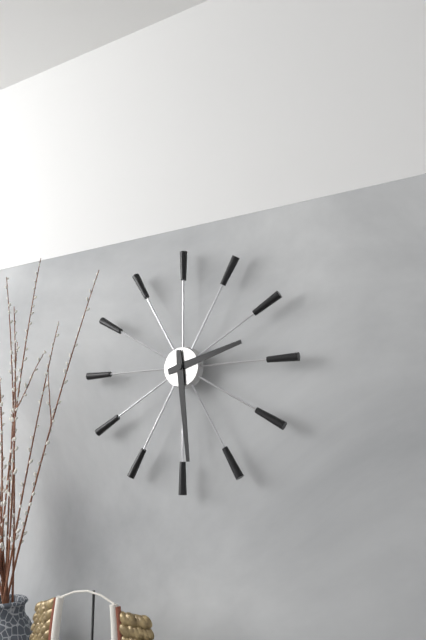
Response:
h=2 m=29
